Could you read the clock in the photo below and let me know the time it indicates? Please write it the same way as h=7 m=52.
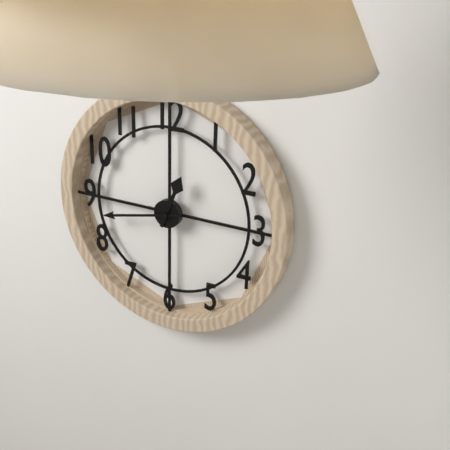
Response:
h=12 m=43
